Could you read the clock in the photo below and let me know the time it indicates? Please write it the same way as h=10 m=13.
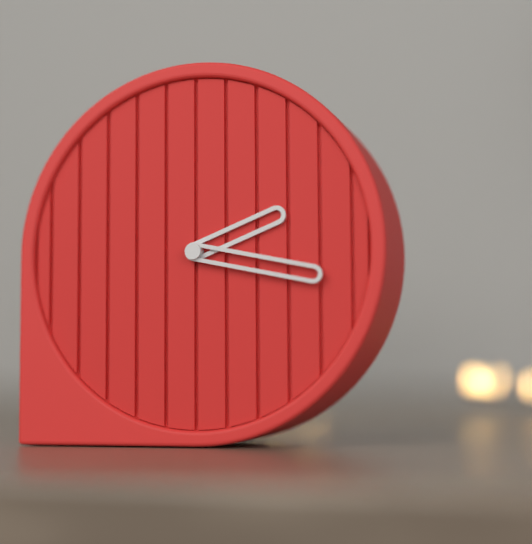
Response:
h=2 m=17
